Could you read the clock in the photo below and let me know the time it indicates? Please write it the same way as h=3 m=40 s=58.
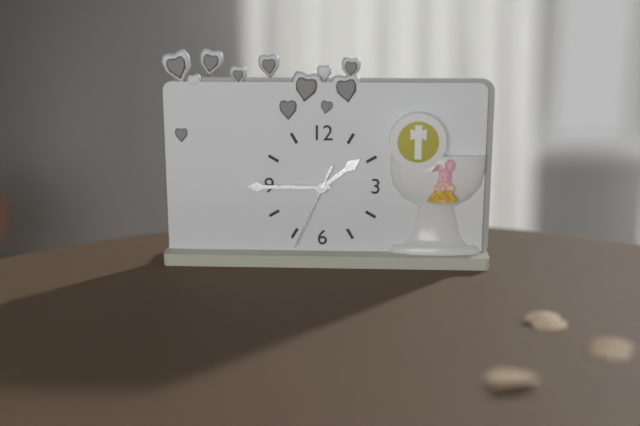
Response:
h=1 m=45 s=34
